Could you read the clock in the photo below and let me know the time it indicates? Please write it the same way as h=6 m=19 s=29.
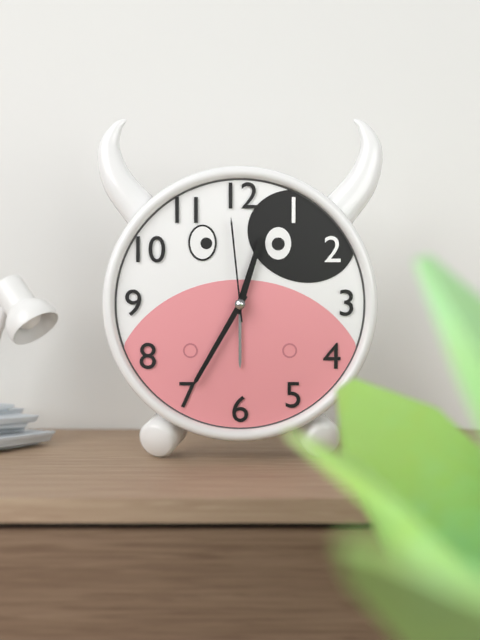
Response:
h=12 m=35 s=59
